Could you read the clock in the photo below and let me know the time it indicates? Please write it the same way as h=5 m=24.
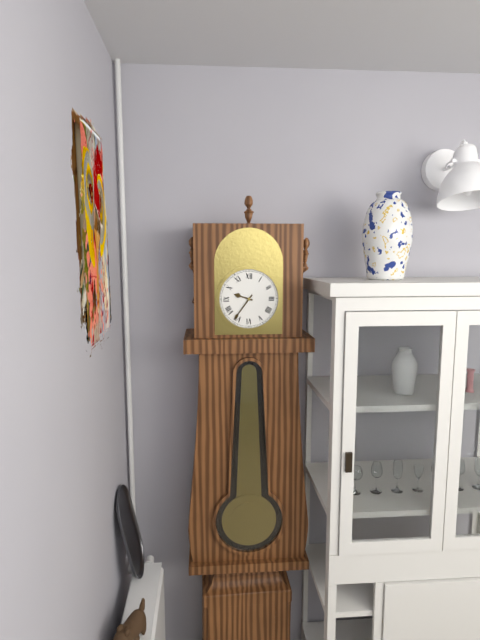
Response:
h=9 m=36
